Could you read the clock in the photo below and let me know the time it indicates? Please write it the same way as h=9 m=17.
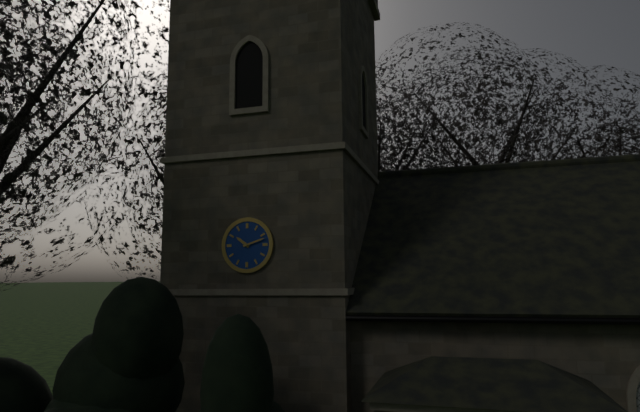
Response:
h=10 m=12
